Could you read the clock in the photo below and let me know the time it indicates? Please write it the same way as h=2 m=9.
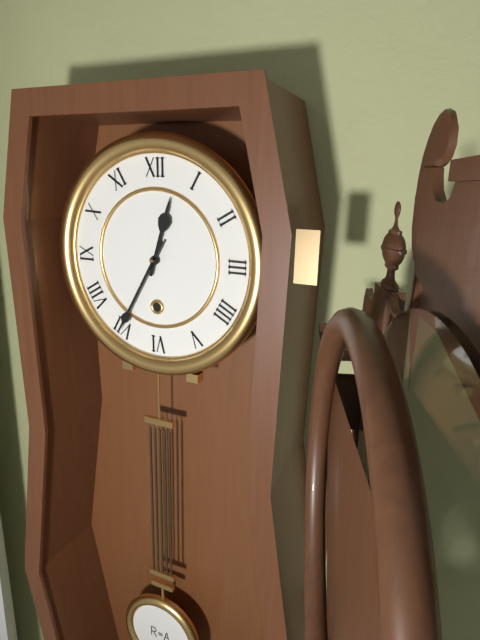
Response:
h=12 m=35
